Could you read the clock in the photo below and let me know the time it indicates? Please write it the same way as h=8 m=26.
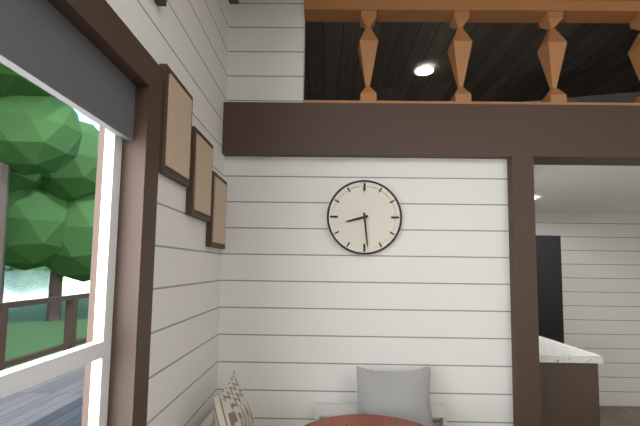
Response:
h=8 m=29
